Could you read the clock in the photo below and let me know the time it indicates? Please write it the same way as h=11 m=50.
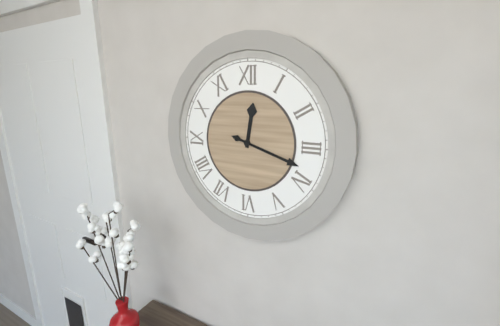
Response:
h=12 m=18
